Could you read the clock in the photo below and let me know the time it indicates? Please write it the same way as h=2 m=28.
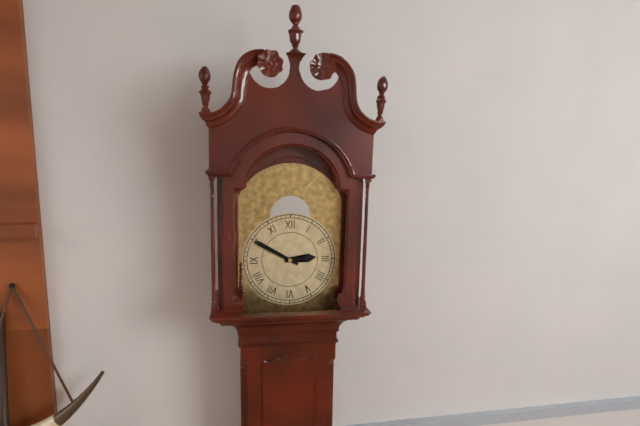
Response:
h=2 m=50
